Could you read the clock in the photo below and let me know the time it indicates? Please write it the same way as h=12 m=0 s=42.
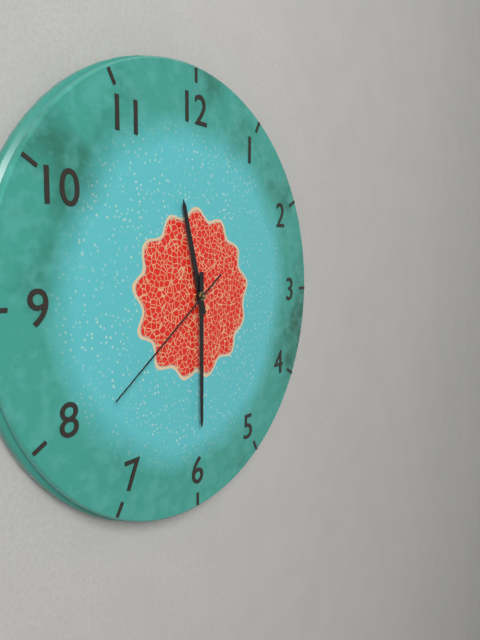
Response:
h=11 m=30 s=39
